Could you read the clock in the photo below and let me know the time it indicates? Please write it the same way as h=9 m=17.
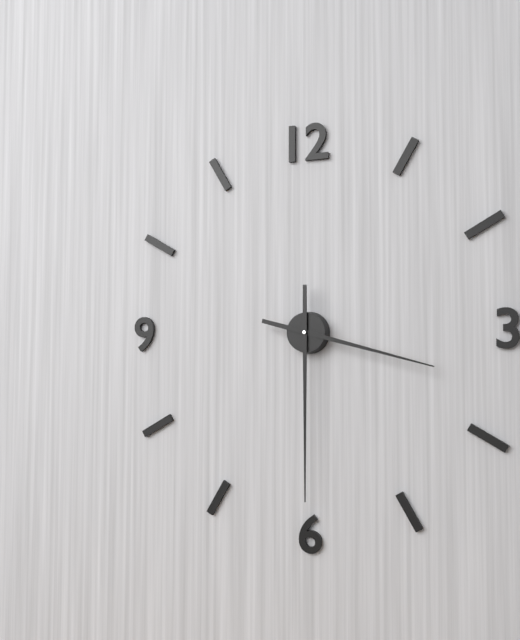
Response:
h=3 m=30
